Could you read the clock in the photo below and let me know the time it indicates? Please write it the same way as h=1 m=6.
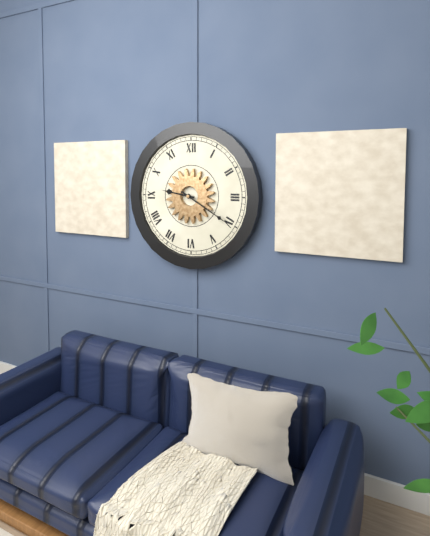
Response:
h=9 m=20
